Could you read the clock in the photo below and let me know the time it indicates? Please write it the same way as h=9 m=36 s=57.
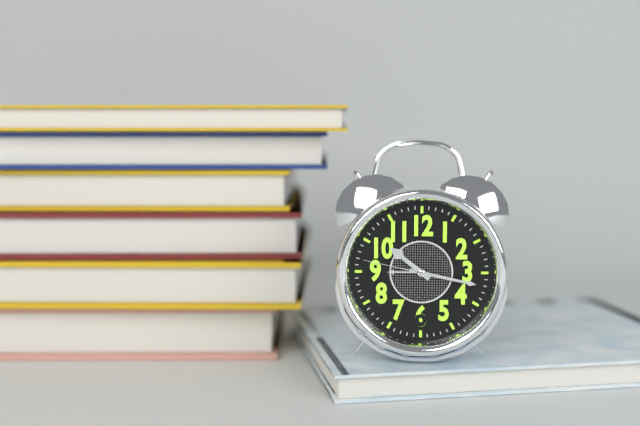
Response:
h=10 m=17 s=47
